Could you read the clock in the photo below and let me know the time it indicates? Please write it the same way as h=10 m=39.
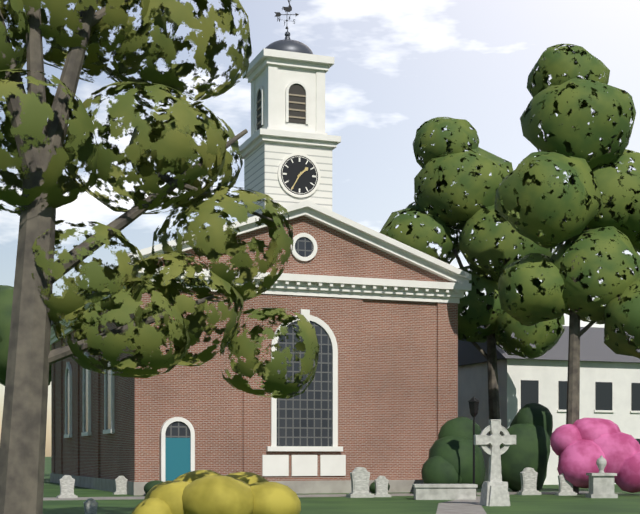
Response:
h=1 m=35
